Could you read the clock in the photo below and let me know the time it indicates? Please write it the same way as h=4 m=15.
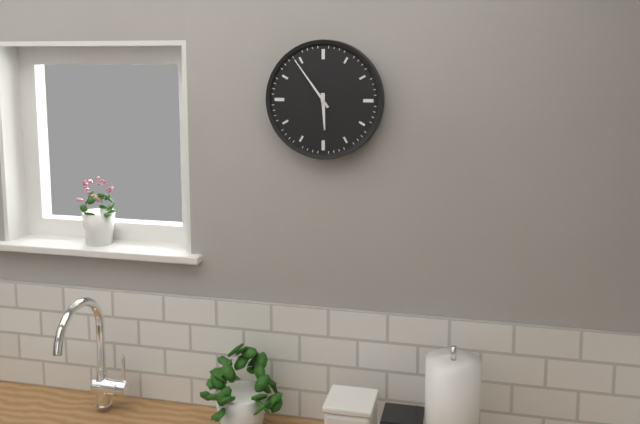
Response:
h=5 m=54
